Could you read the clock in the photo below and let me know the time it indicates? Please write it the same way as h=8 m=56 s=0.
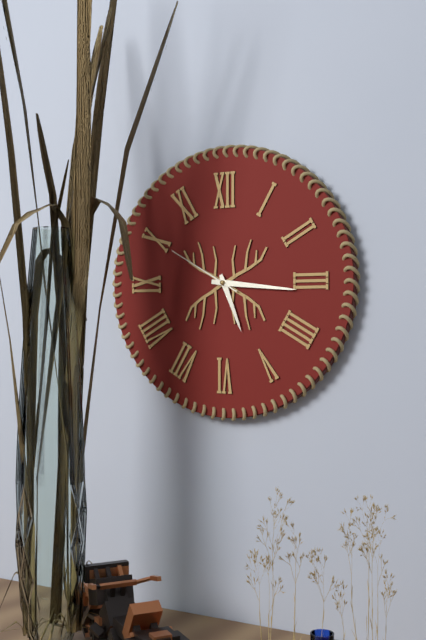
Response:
h=5 m=16 s=50
